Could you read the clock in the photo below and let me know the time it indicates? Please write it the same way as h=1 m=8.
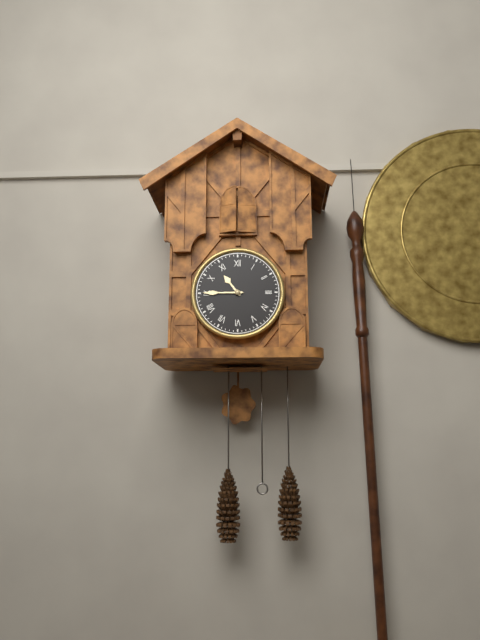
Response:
h=10 m=45
